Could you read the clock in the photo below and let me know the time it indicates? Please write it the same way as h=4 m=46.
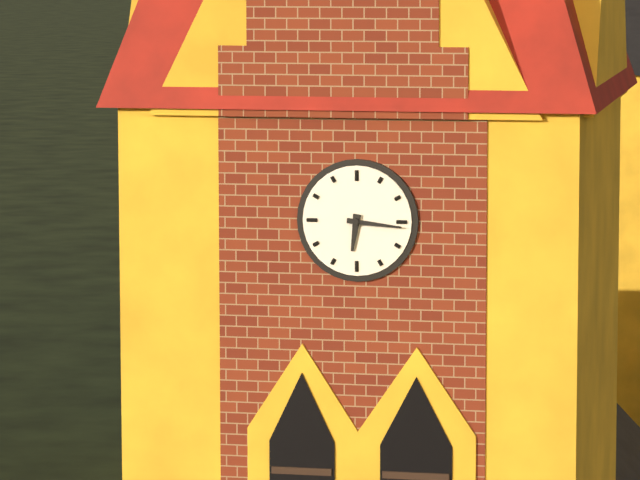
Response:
h=6 m=16
